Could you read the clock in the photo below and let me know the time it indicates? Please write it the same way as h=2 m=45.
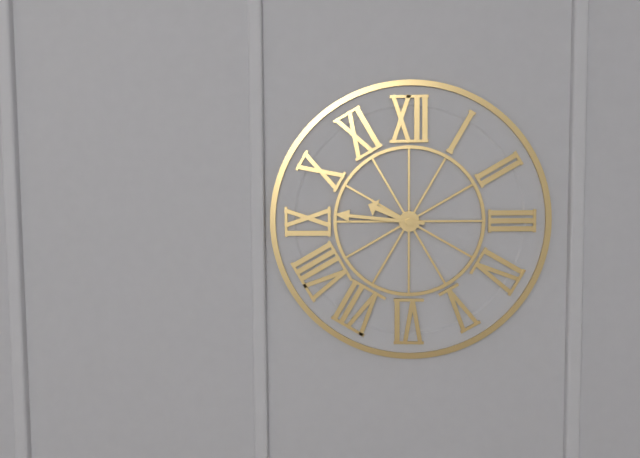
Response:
h=9 m=46
